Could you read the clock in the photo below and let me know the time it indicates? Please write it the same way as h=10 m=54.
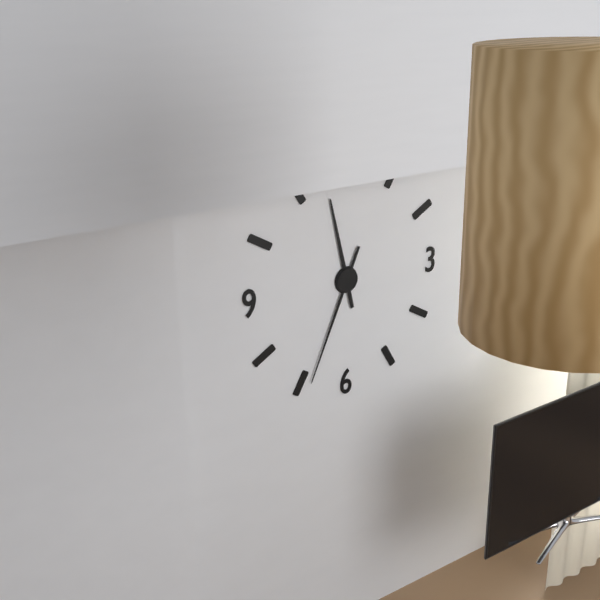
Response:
h=11 m=34
